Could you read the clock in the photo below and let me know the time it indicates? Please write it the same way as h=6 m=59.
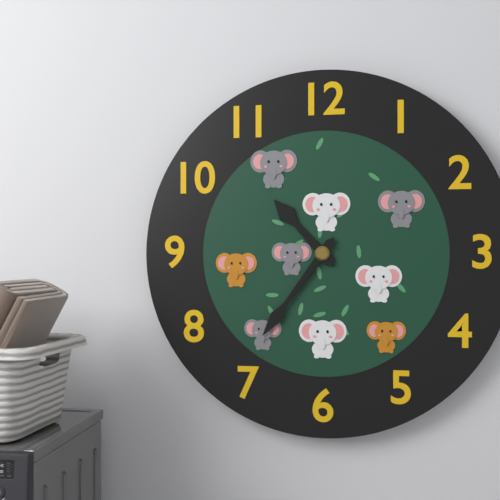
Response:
h=10 m=36
